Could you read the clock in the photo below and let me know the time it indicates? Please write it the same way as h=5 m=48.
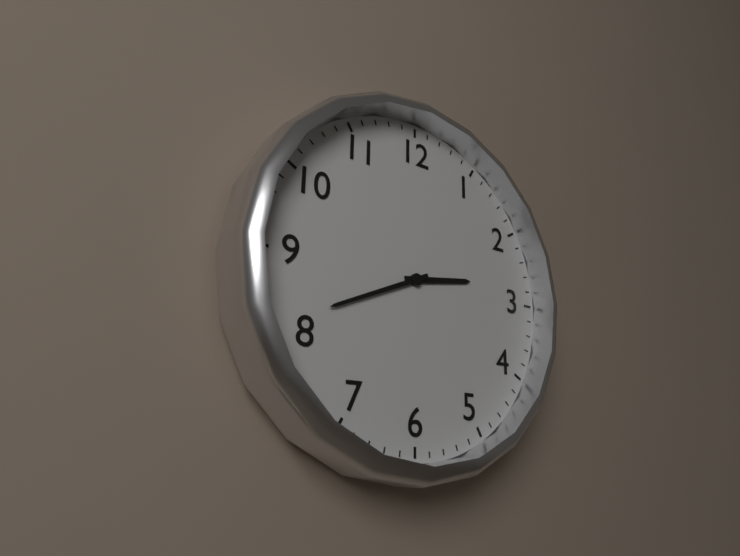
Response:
h=2 m=41
